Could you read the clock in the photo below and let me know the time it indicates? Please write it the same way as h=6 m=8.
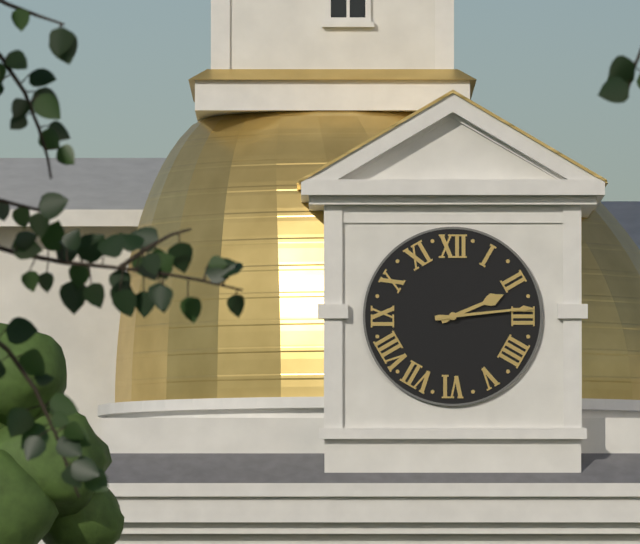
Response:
h=2 m=14
